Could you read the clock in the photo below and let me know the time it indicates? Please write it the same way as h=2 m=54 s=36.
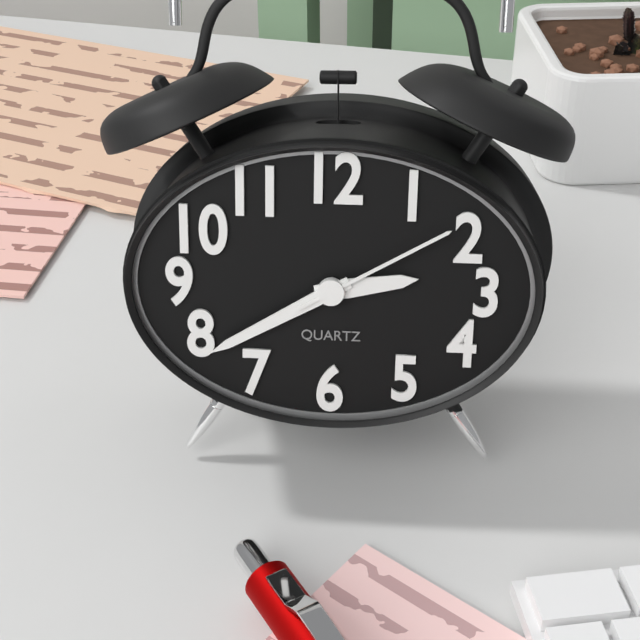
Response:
h=2 m=40 s=10
